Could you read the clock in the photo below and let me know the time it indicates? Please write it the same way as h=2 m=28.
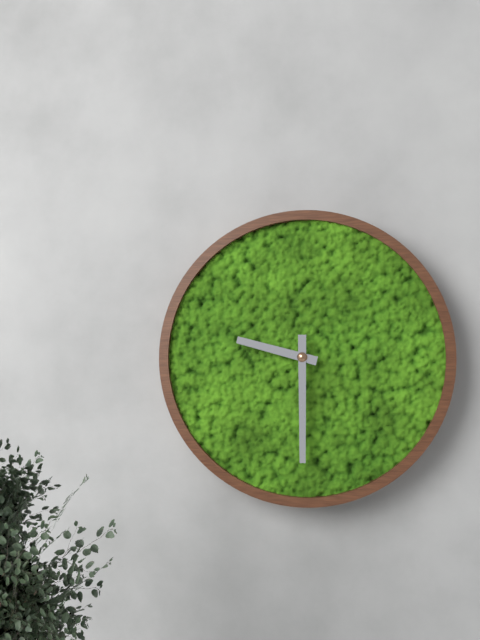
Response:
h=9 m=30
